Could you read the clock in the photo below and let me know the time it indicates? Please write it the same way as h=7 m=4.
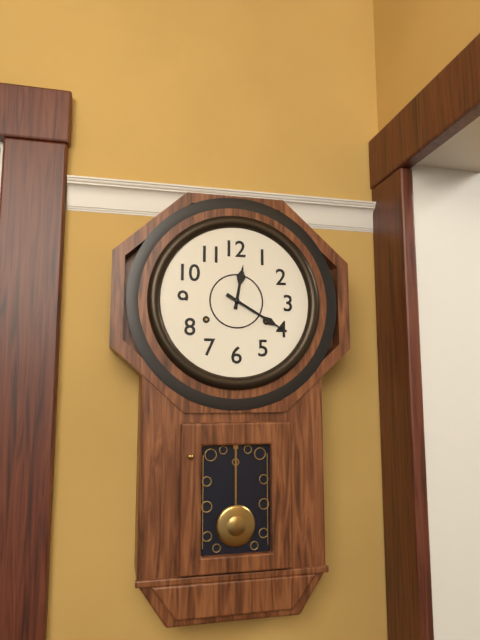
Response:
h=12 m=20
